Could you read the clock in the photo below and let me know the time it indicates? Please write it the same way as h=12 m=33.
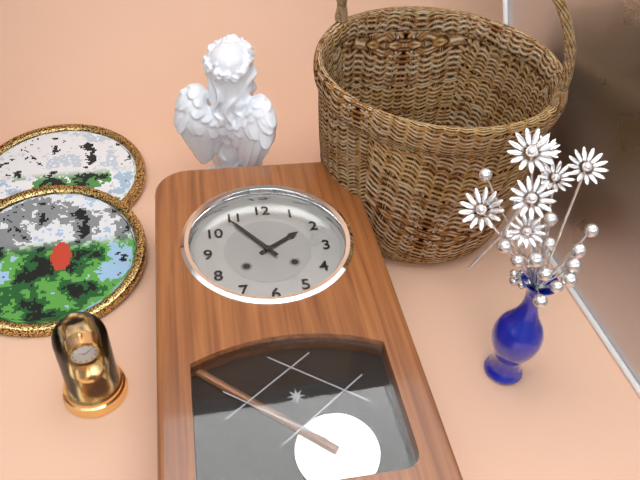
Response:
h=1 m=54
